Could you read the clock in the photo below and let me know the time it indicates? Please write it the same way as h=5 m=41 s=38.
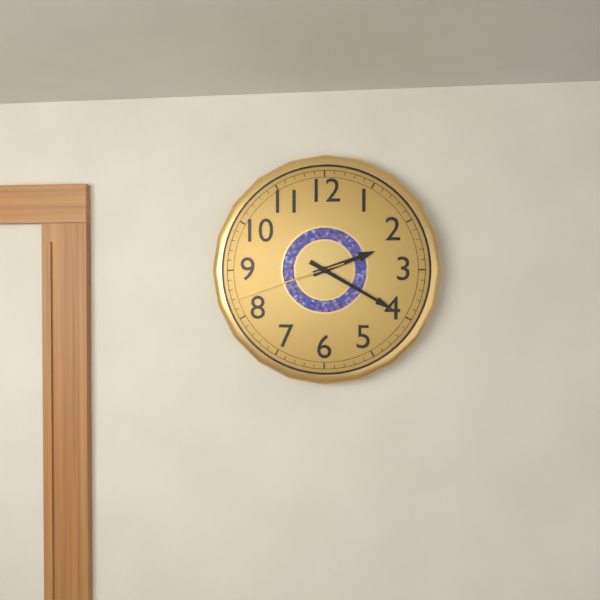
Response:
h=2 m=20 s=42
